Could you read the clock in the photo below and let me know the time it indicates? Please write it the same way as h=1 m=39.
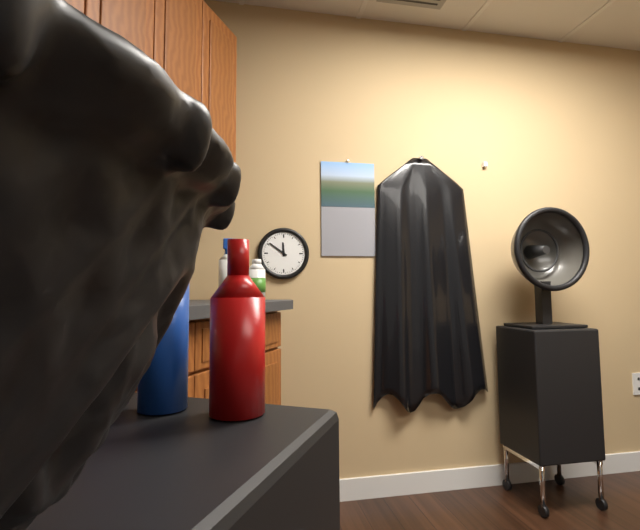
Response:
h=11 m=51
